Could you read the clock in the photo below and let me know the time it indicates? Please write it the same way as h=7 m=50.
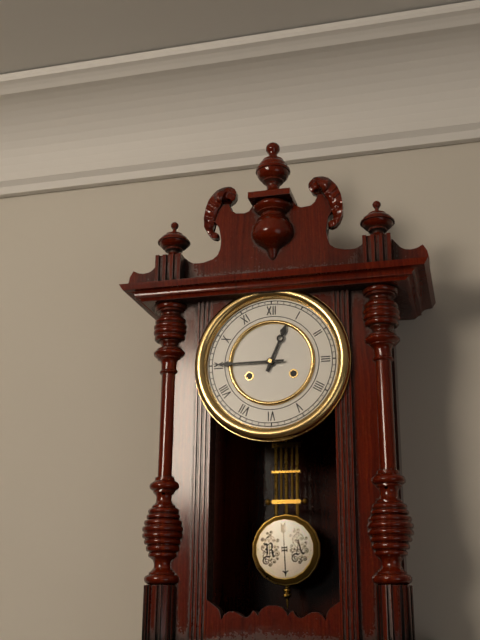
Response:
h=12 m=45
